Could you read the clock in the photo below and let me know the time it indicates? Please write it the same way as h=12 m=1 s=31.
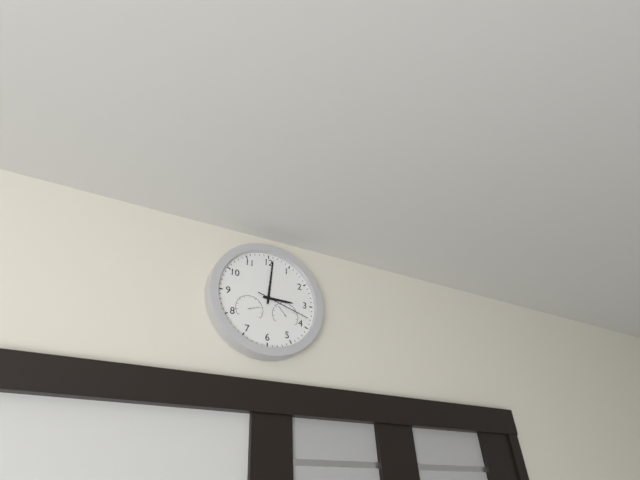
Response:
h=3 m=1 s=18
